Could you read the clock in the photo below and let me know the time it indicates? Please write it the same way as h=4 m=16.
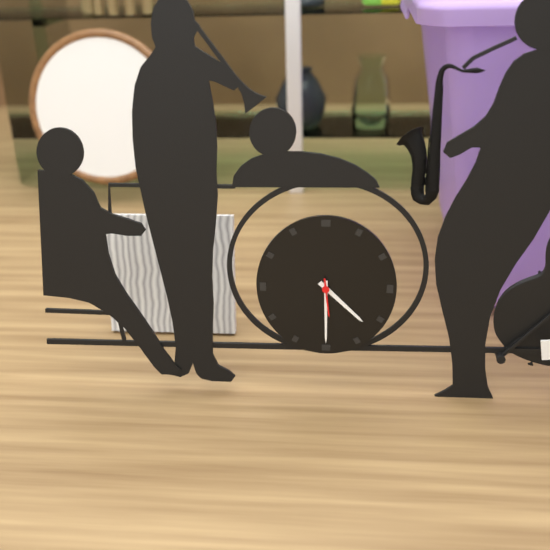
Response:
h=4 m=30
